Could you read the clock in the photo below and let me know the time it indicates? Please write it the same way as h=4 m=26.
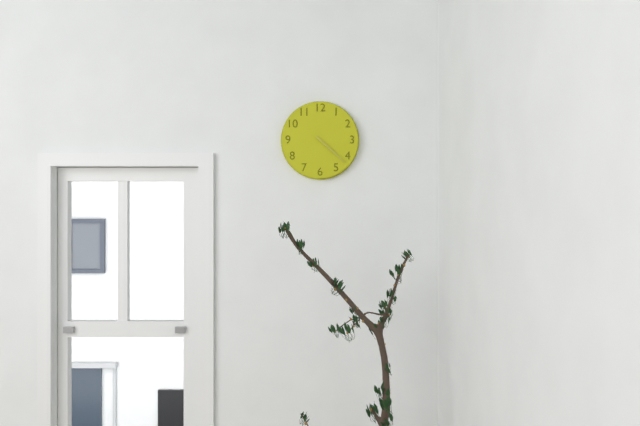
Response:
h=4 m=22
